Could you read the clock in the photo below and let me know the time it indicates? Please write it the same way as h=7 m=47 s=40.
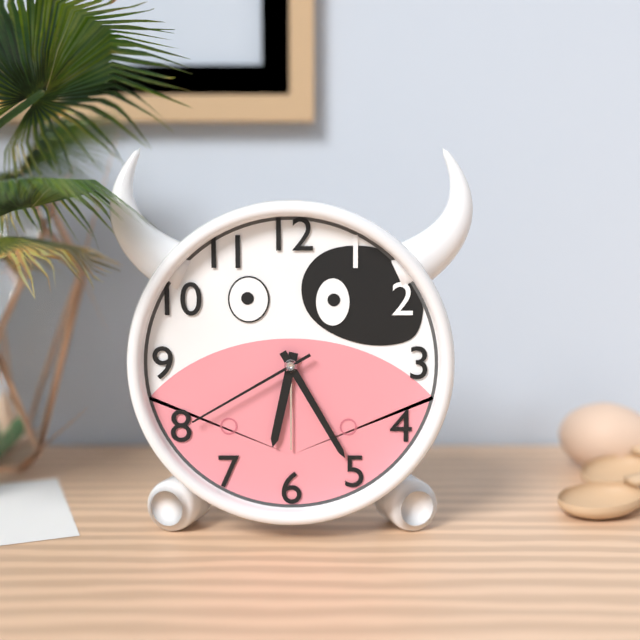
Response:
h=6 m=25 s=40
